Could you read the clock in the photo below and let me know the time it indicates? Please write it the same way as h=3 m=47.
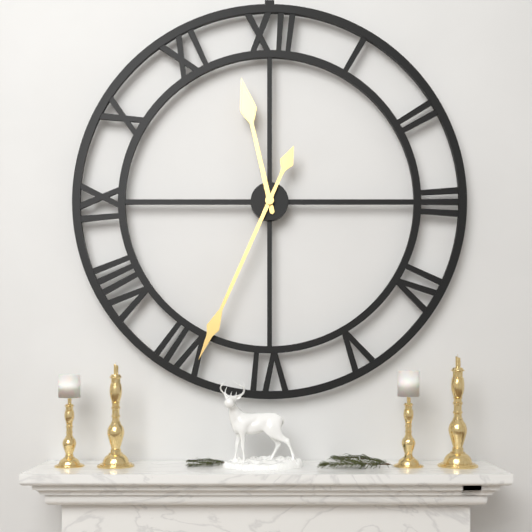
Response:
h=11 m=34
